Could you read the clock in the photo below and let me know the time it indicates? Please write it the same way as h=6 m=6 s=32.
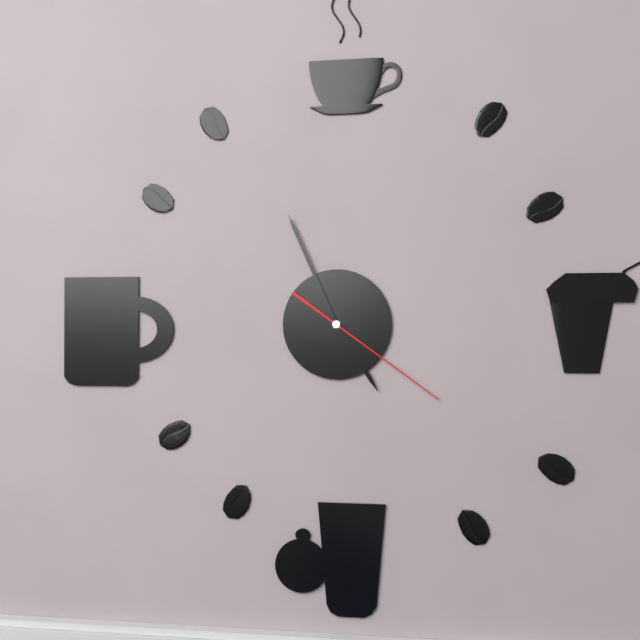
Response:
h=4 m=56 s=21
